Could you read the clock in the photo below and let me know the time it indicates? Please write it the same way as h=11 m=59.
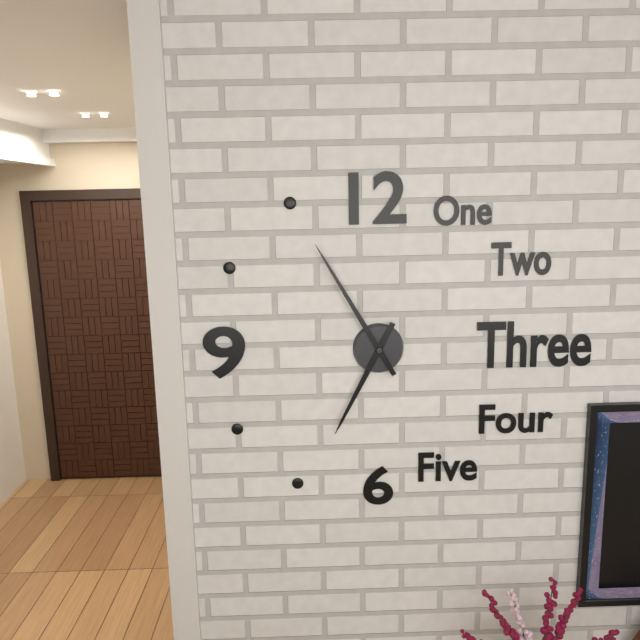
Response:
h=6 m=55
